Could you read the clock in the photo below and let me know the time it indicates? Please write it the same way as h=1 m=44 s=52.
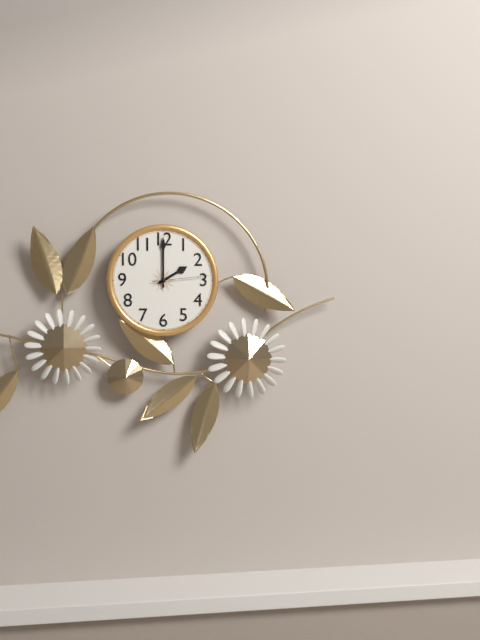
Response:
h=2 m=0 s=14
